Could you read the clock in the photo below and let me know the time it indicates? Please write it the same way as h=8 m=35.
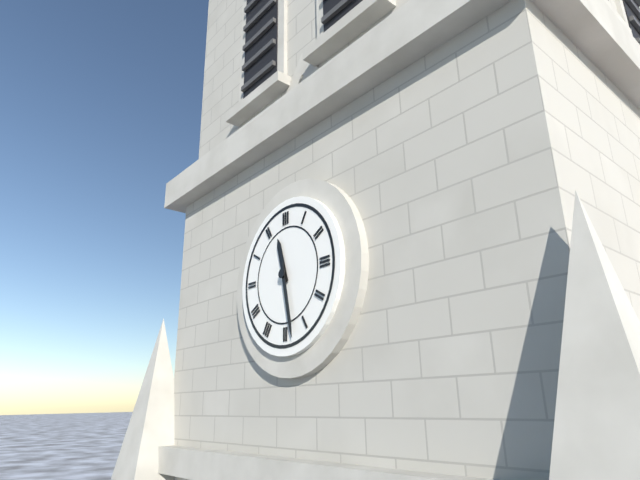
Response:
h=11 m=28
